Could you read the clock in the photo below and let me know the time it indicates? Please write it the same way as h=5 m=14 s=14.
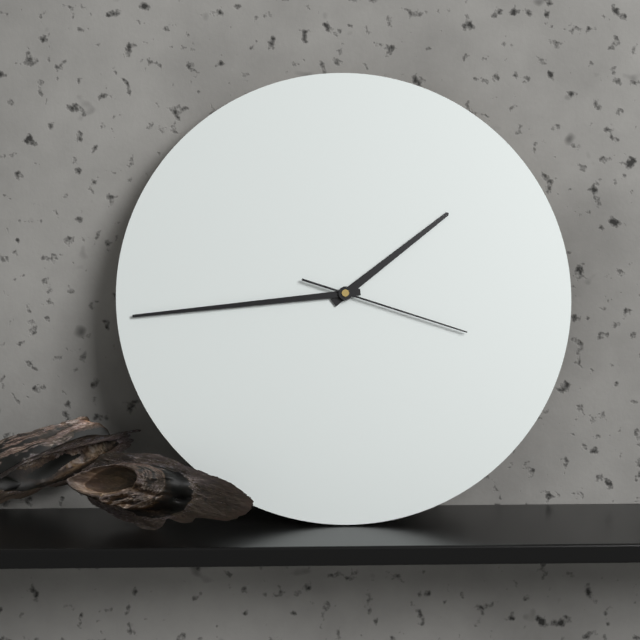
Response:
h=1 m=44 s=18
